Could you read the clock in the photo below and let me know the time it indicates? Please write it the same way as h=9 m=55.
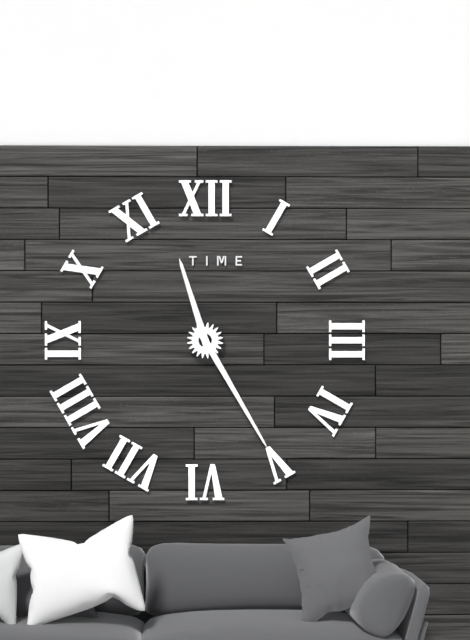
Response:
h=11 m=25
